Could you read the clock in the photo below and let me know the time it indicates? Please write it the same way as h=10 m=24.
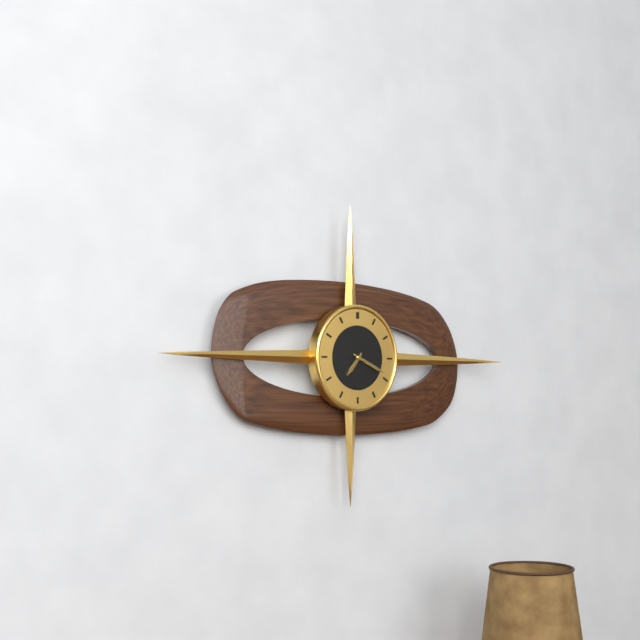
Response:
h=7 m=19
